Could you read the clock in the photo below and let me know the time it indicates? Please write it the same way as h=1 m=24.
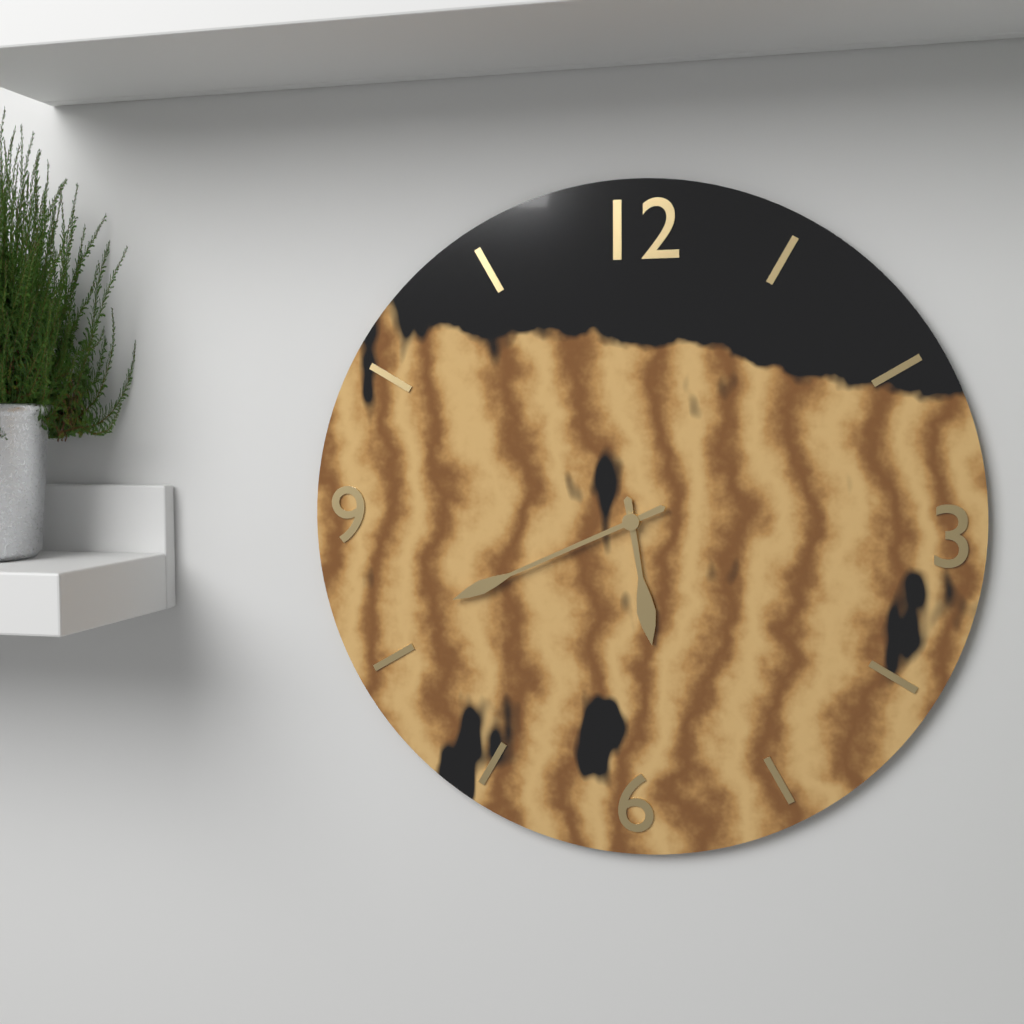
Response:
h=5 m=41
